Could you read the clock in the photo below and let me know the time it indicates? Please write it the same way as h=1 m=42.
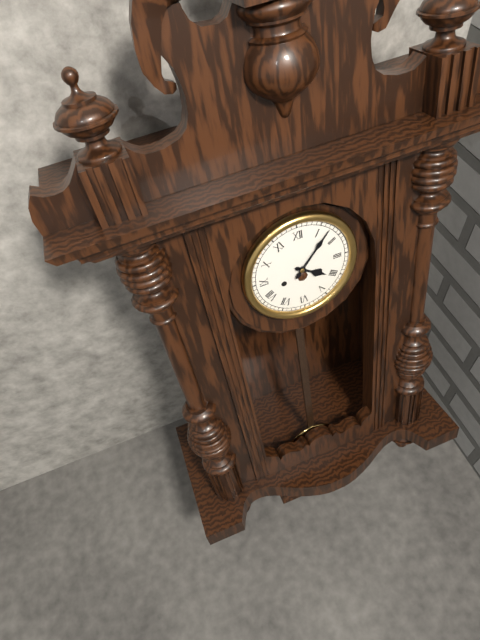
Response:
h=4 m=7
